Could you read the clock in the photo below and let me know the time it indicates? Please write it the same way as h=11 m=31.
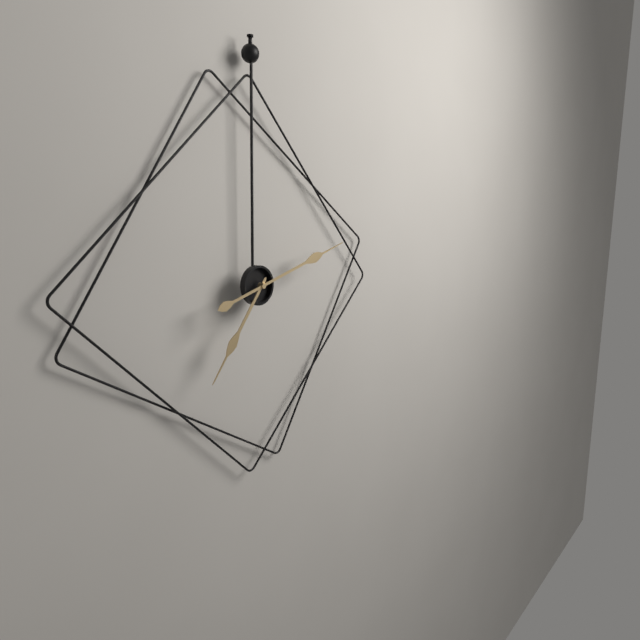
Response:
h=7 m=12
